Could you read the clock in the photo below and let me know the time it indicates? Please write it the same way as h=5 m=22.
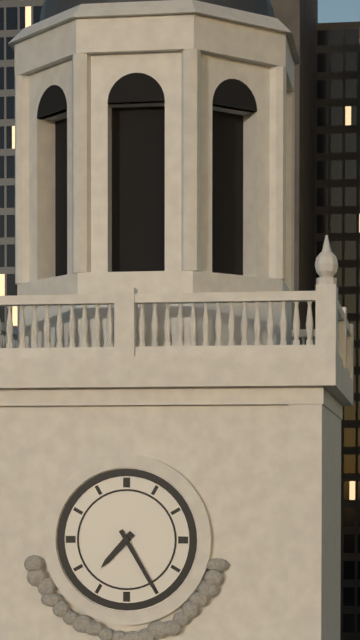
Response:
h=7 m=25
